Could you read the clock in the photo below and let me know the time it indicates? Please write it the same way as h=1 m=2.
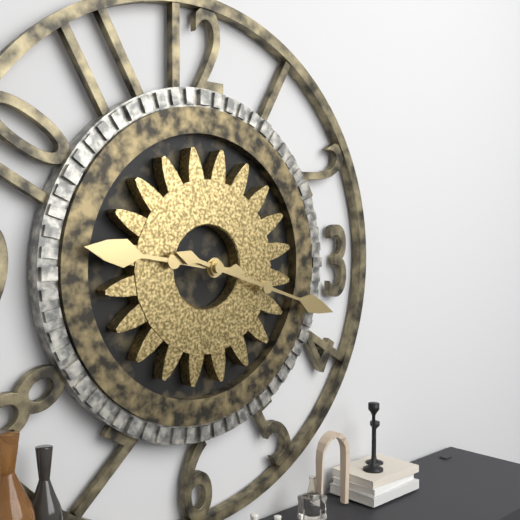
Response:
h=9 m=18
